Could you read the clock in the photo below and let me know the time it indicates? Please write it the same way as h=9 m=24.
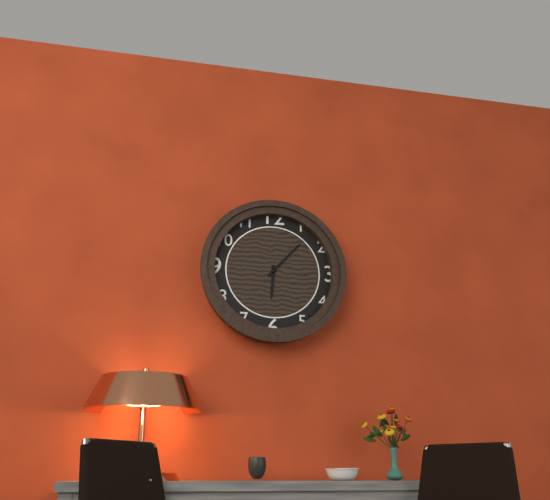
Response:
h=6 m=7
